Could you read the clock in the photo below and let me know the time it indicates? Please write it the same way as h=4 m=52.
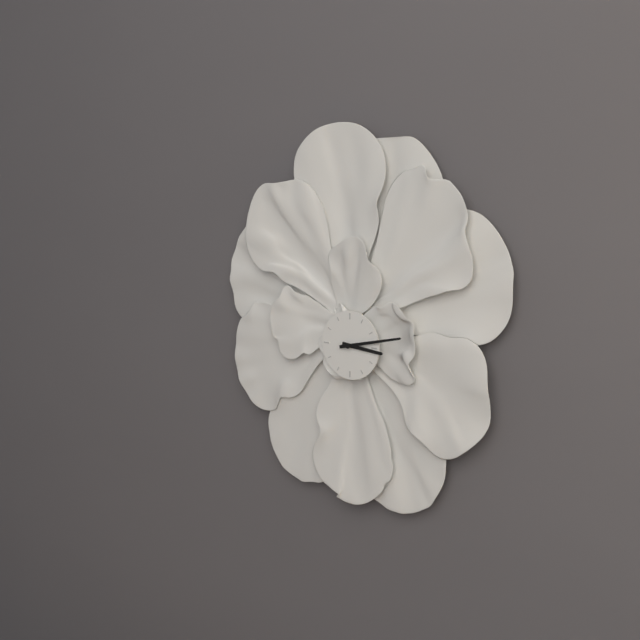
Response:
h=3 m=13
